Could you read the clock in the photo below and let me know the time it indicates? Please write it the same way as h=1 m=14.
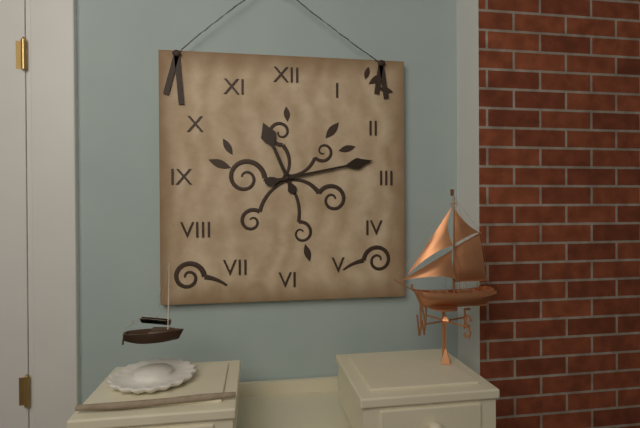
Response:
h=11 m=13
